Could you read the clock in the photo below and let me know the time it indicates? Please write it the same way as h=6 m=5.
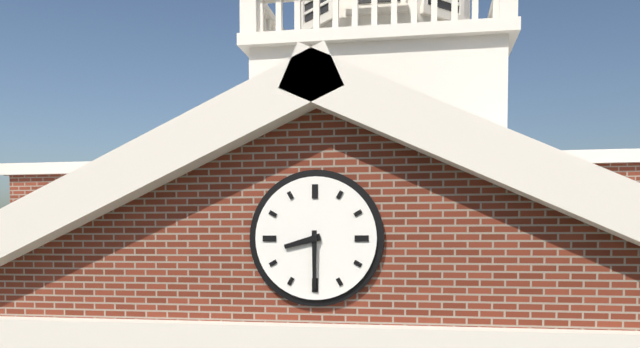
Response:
h=8 m=30
